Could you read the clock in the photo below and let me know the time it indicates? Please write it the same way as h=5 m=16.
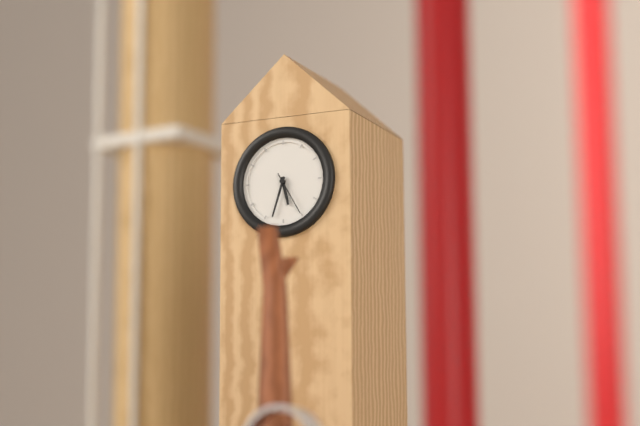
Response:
h=5 m=33
